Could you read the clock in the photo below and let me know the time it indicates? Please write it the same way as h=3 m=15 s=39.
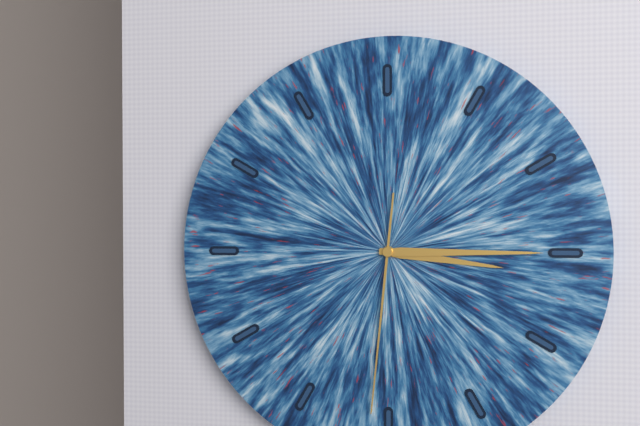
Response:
h=3 m=15 s=31
